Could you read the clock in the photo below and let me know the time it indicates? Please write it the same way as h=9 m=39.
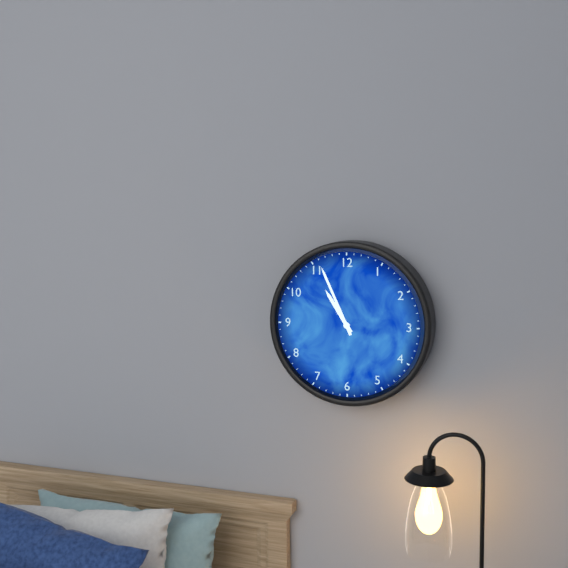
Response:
h=10 m=56
